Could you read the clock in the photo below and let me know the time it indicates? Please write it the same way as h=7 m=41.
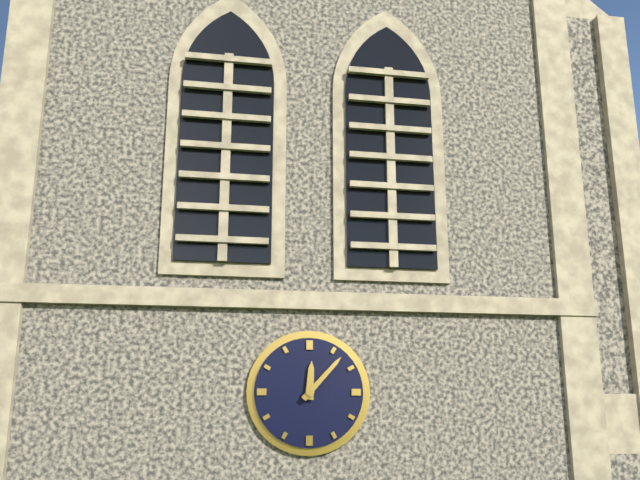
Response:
h=12 m=7
